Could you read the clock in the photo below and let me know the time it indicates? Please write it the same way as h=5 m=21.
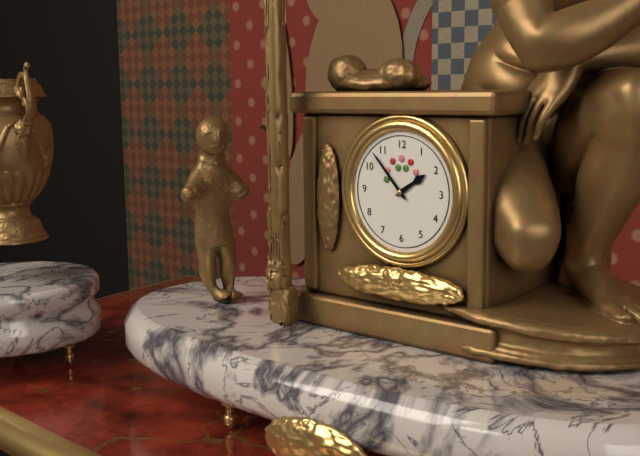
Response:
h=1 m=53
